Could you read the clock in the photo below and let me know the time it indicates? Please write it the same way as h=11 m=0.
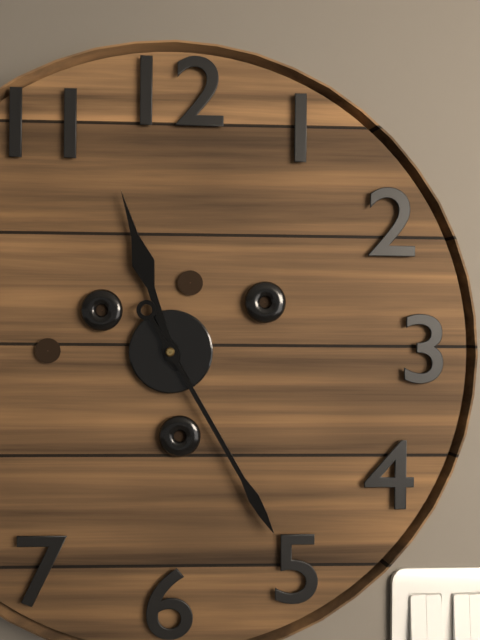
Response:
h=11 m=25
